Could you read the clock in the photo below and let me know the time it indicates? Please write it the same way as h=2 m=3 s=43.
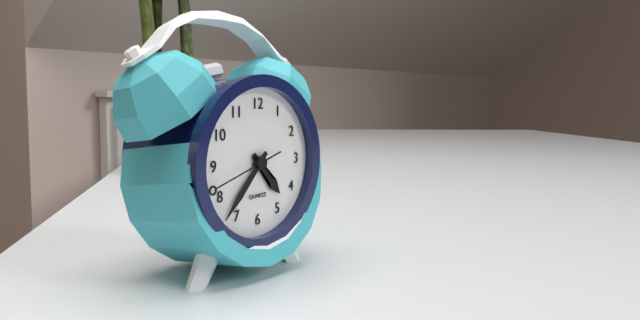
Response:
h=4 m=37 s=42
